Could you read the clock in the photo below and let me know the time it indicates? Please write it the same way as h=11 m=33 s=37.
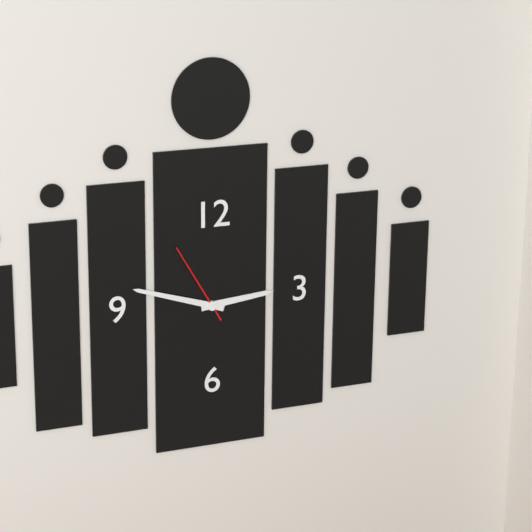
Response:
h=2 m=48 s=55
